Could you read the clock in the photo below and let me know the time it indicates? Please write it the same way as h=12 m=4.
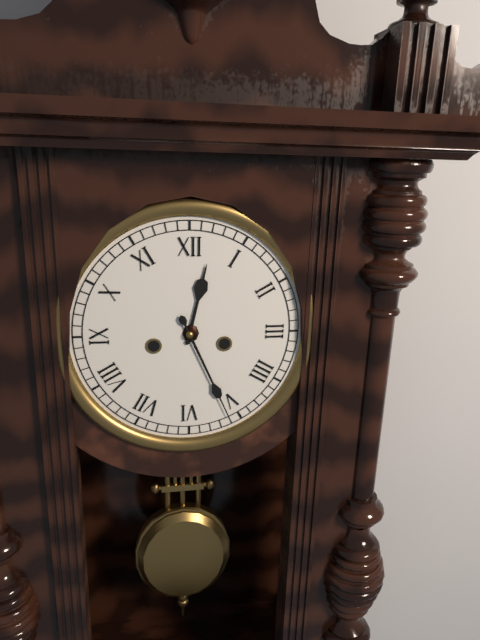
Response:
h=12 m=26
